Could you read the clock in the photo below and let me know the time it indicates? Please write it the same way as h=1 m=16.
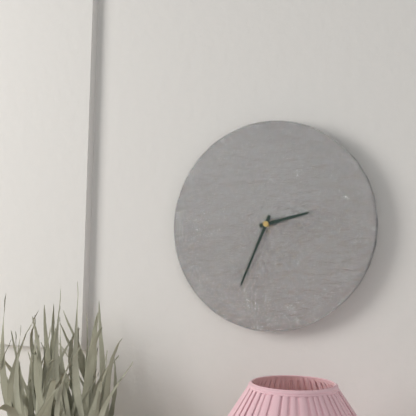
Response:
h=2 m=34
